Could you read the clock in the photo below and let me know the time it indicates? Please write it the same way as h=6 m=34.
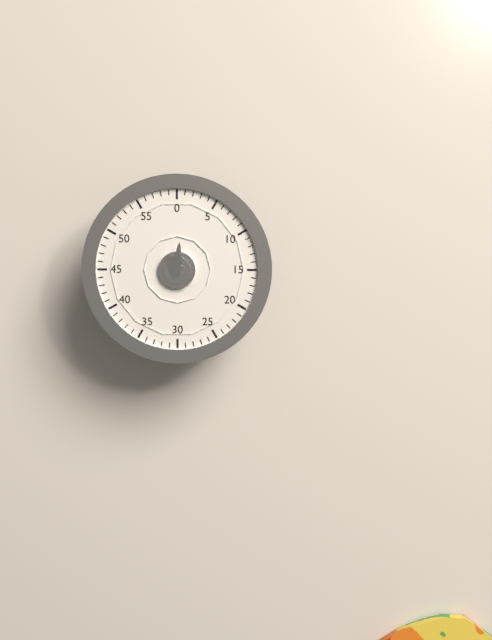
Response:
h=11 m=1
